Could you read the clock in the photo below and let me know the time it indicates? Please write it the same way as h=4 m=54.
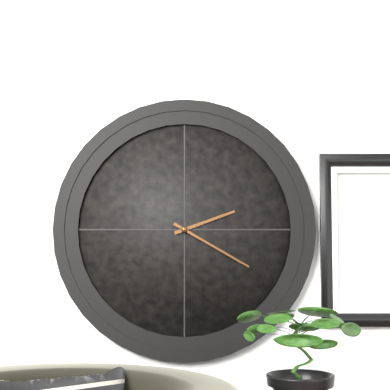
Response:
h=2 m=20
